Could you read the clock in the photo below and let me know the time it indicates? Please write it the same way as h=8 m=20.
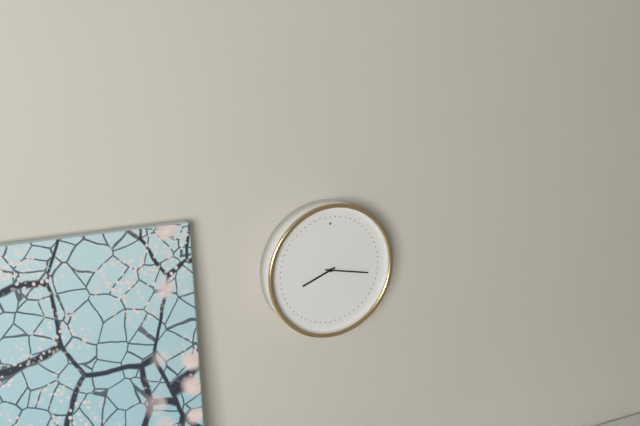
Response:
h=8 m=17
